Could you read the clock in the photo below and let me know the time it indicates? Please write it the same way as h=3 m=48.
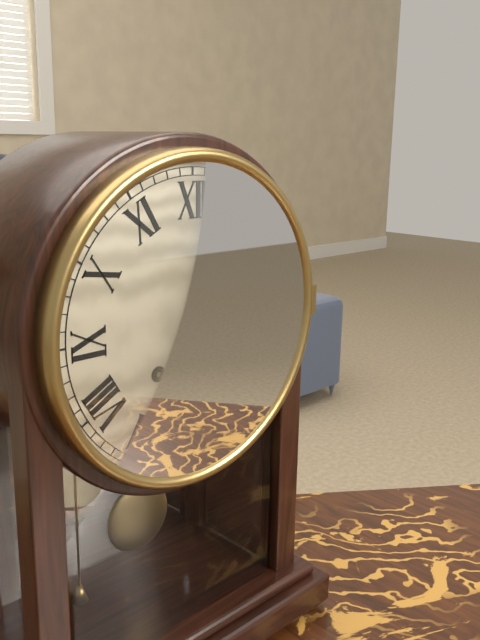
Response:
h=6 m=8
